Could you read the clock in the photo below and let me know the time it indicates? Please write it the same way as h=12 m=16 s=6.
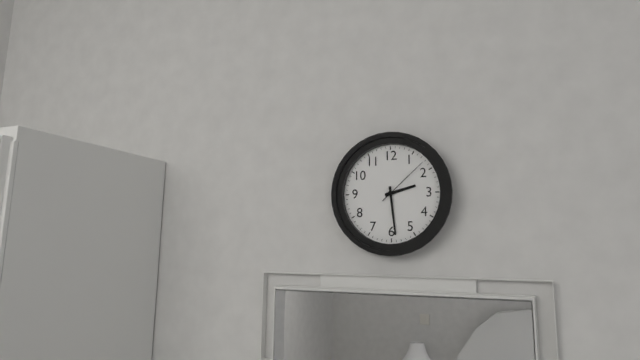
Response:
h=2 m=29 s=8
